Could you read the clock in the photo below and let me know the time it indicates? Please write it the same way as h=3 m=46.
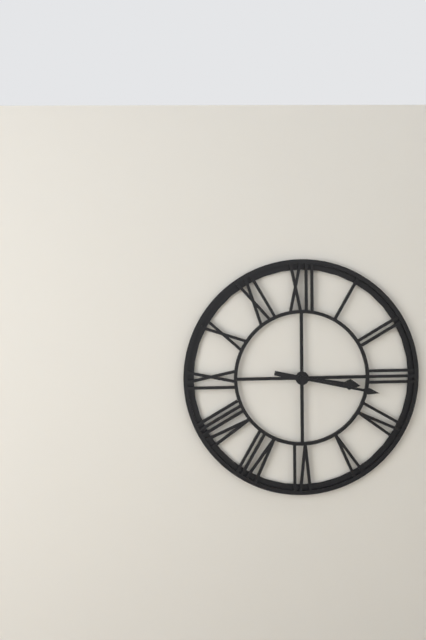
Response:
h=3 m=17
